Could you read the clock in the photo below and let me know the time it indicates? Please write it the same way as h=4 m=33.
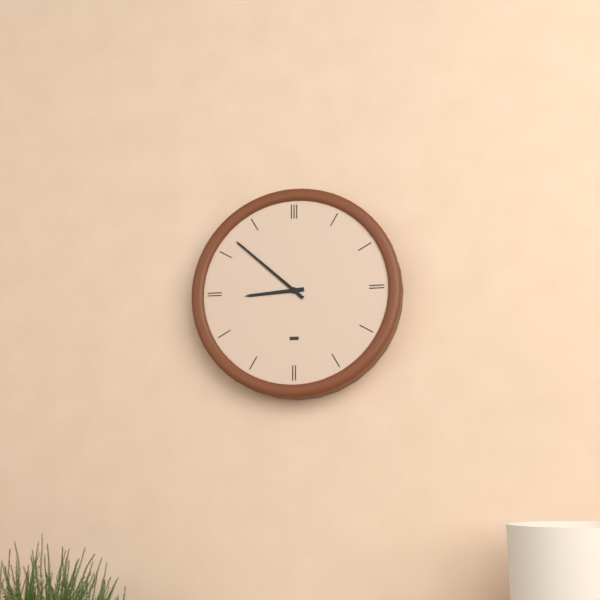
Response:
h=8 m=52
